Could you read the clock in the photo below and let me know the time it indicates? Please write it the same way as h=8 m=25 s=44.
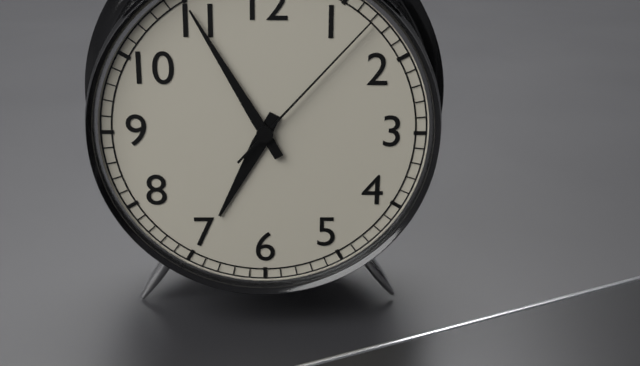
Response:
h=6 m=55 s=7
